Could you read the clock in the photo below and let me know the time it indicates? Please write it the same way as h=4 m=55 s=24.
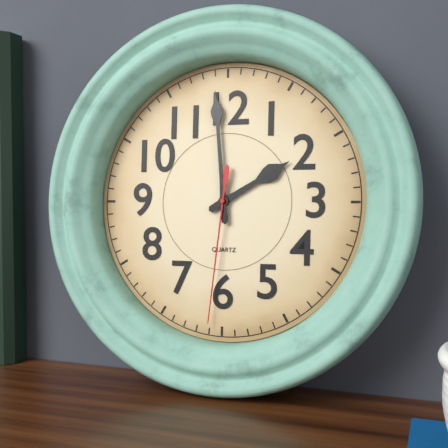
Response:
h=1 m=59 s=31
